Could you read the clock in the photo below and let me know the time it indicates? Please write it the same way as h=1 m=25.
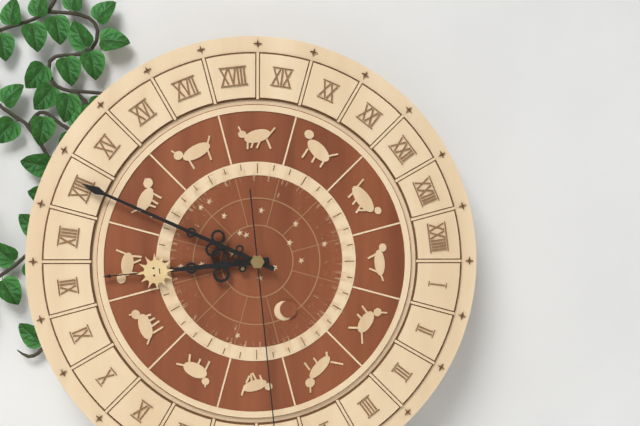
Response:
h=8 m=49
